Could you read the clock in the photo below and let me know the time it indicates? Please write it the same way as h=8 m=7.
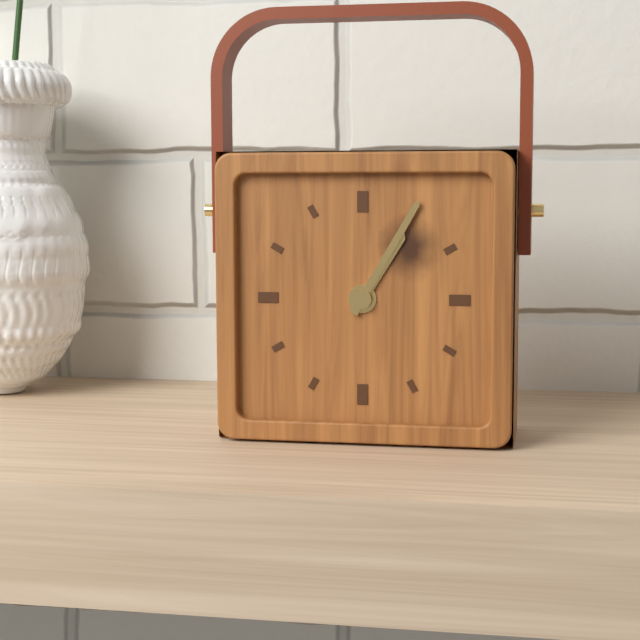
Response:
h=1 m=5
